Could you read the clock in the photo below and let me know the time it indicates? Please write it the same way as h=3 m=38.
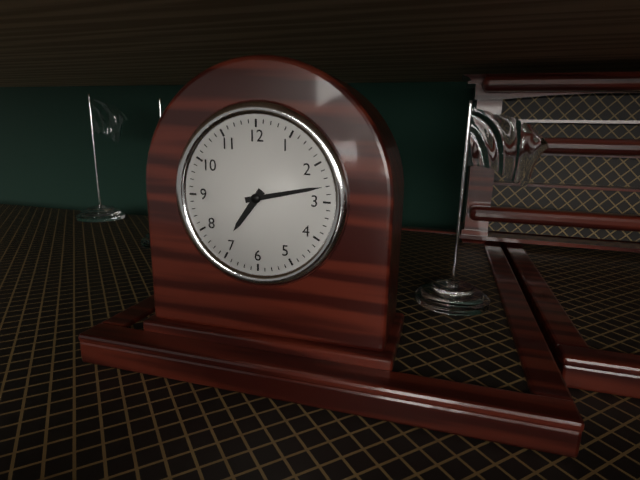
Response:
h=7 m=13
